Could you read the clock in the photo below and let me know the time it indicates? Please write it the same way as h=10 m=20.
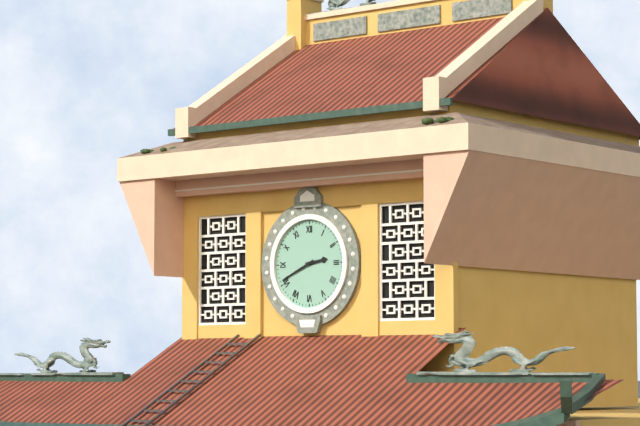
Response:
h=2 m=41
